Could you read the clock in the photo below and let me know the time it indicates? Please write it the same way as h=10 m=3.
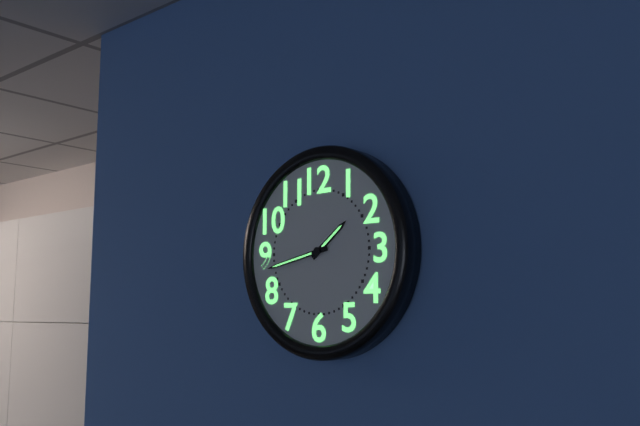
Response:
h=1 m=43
